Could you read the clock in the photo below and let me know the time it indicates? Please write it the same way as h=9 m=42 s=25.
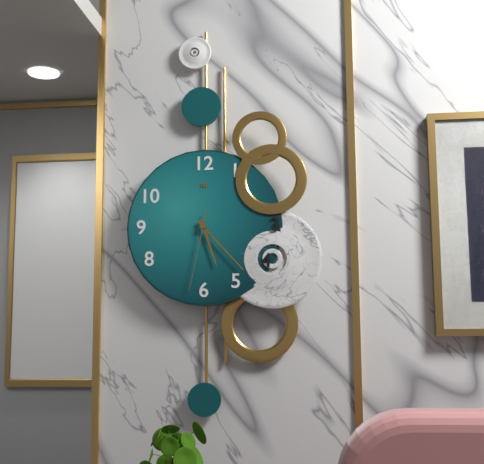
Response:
h=5 m=23 s=32
